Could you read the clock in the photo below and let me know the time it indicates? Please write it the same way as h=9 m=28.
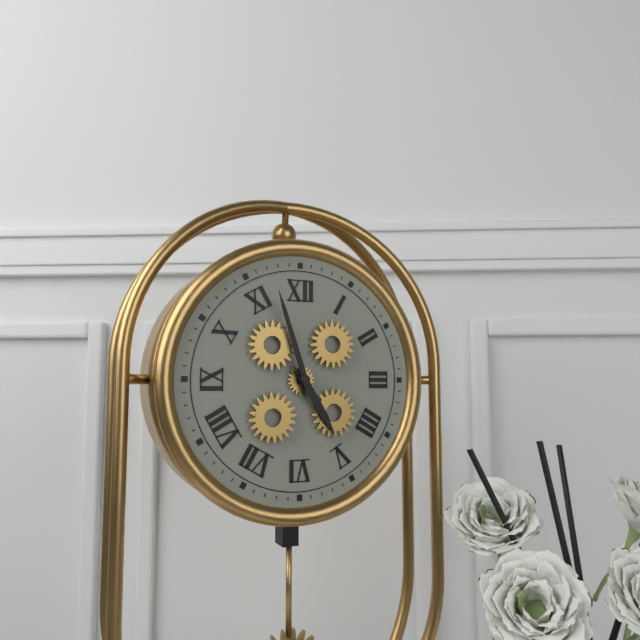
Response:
h=4 m=57
